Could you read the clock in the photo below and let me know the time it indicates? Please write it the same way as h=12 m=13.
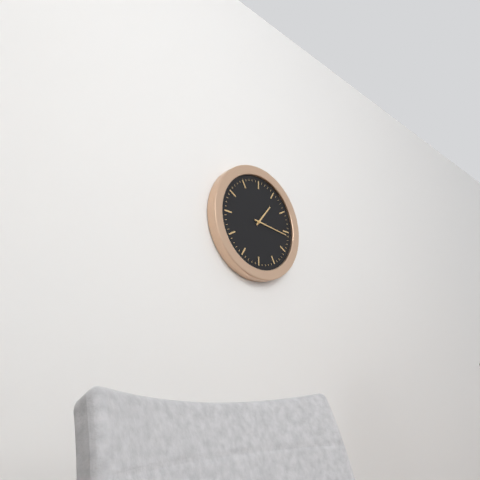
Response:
h=1 m=16
